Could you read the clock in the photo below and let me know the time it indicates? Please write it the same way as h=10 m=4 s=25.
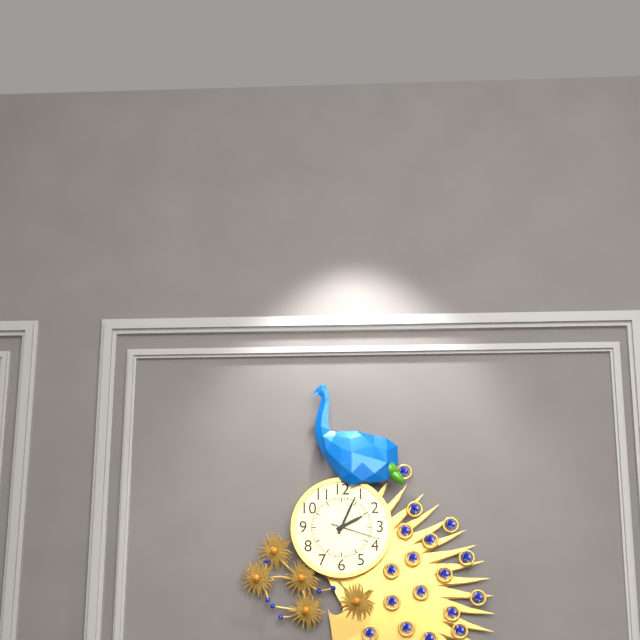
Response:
h=2 m=4 s=18
